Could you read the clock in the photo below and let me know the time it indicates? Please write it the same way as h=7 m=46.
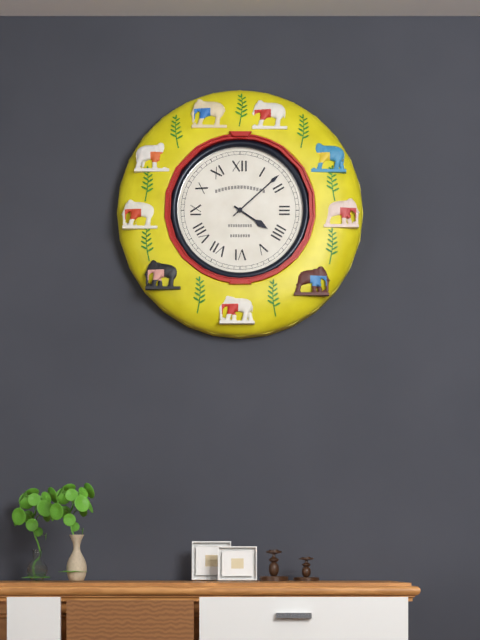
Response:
h=4 m=8
